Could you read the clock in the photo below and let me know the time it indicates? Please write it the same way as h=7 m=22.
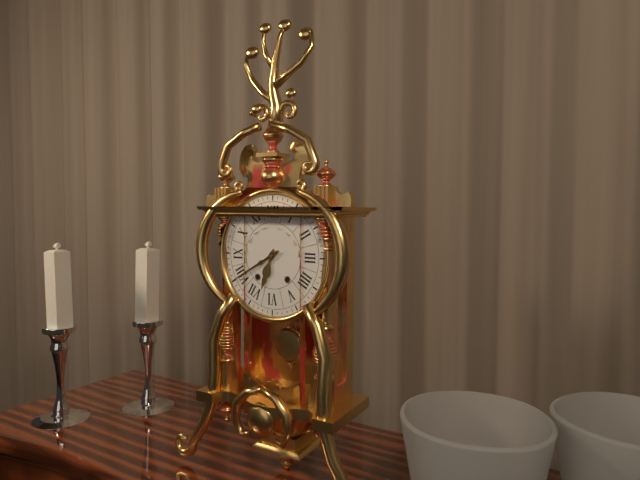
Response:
h=6 m=40
